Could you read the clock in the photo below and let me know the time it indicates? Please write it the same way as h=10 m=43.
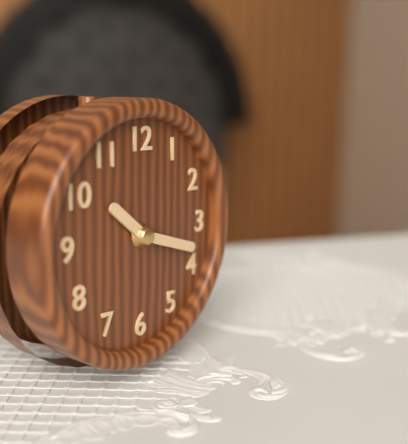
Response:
h=10 m=18
